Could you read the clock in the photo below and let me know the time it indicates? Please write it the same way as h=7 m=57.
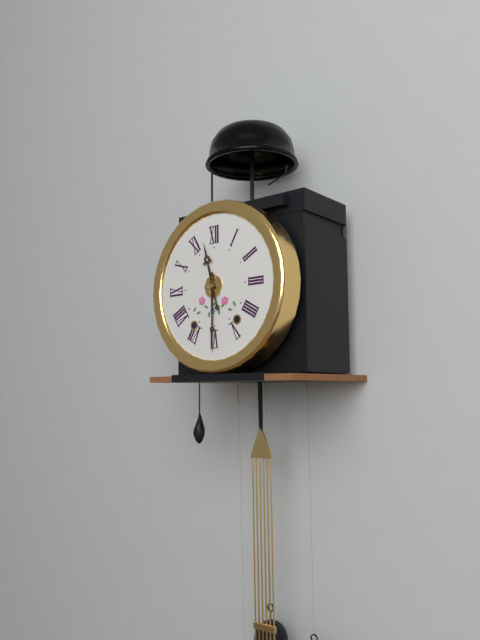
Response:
h=11 m=30
